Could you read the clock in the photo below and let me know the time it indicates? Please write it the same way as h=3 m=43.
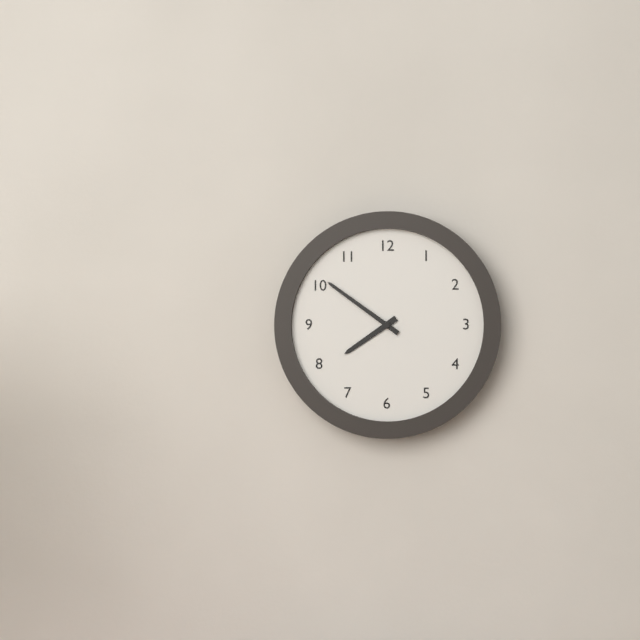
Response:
h=7 m=51
